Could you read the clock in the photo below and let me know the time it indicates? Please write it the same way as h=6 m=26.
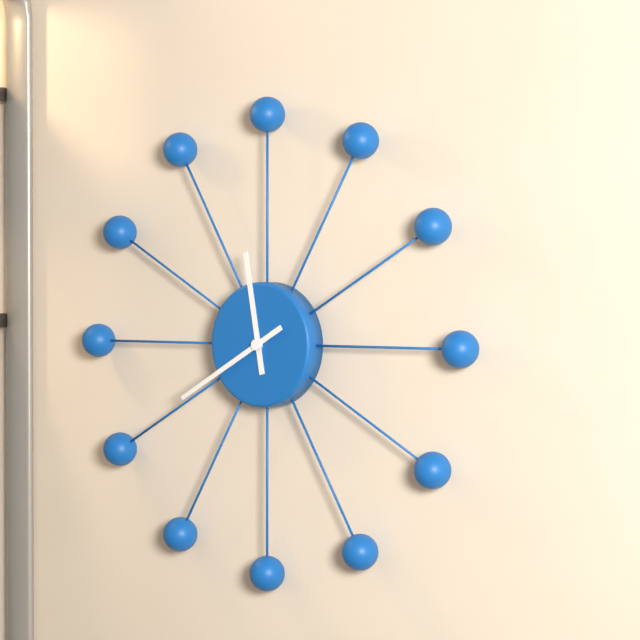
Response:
h=11 m=40
